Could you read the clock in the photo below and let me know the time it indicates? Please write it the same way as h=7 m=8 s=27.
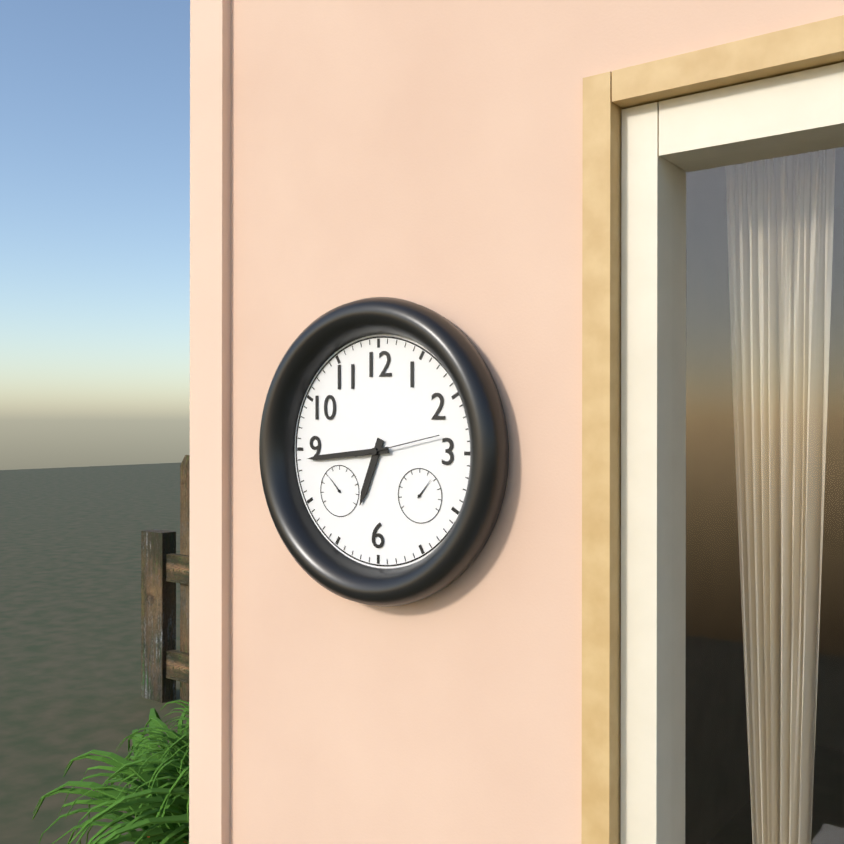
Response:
h=6 m=44 s=13
